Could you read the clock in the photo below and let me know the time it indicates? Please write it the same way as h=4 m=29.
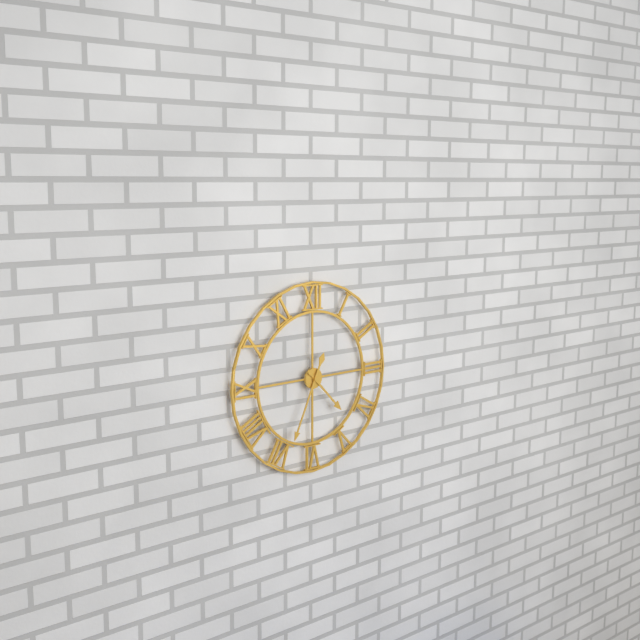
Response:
h=4 m=34
